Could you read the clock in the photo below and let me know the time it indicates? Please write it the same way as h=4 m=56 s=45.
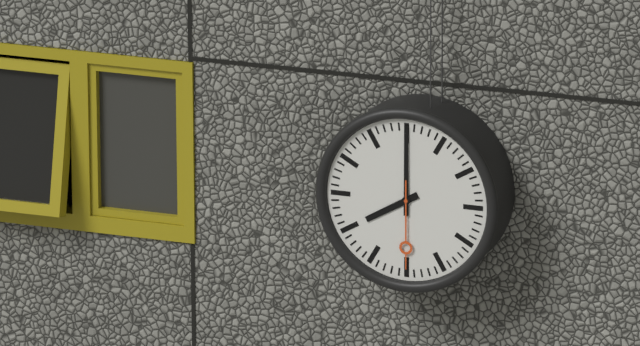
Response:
h=8 m=0 s=30
